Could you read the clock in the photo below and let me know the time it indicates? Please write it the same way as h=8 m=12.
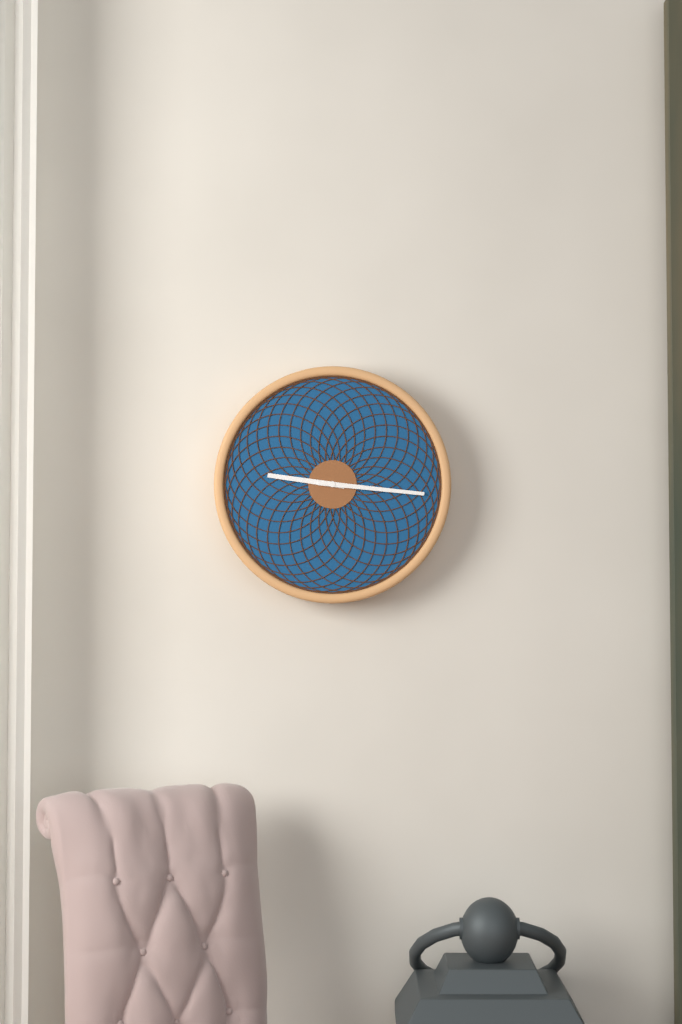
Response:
h=9 m=16
